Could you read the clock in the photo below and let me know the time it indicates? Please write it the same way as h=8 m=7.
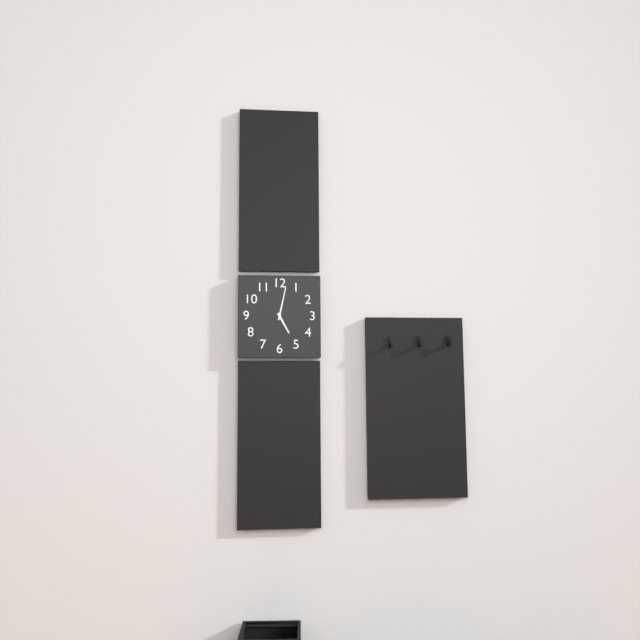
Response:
h=5 m=2
